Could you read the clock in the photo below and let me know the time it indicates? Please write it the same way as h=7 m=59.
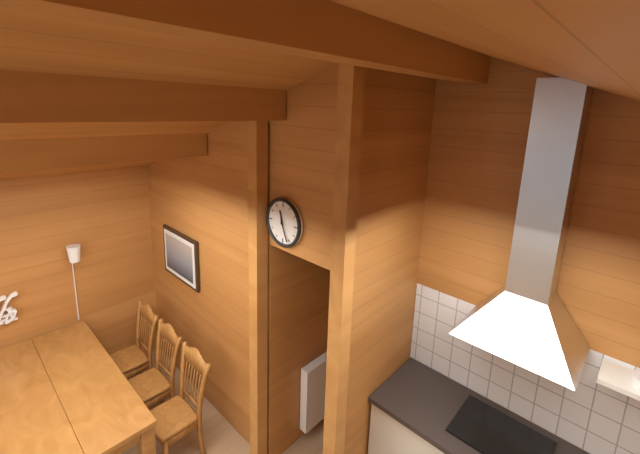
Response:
h=11 m=26
